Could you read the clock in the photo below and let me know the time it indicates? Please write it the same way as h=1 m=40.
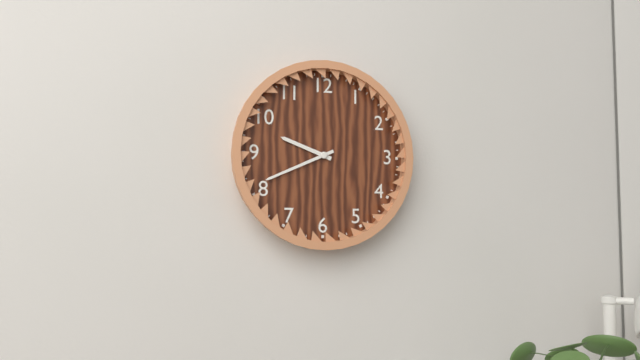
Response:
h=9 m=41
